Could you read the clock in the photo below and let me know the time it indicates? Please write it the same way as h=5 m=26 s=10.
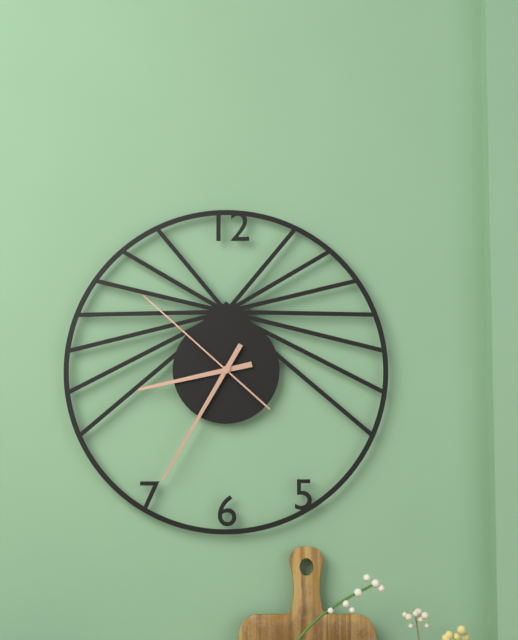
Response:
h=8 m=35 s=52
